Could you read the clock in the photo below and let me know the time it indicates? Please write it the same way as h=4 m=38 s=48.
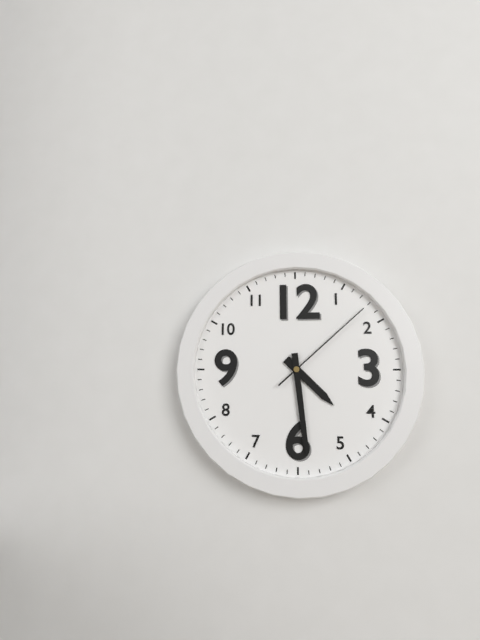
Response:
h=4 m=29 s=8
